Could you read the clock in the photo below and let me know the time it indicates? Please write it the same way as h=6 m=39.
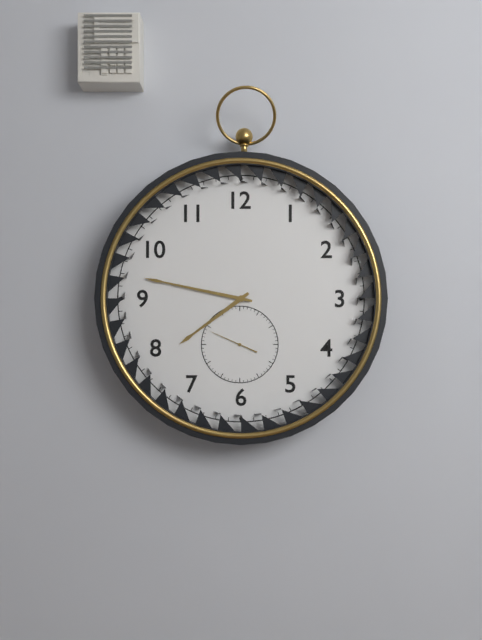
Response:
h=7 m=47
